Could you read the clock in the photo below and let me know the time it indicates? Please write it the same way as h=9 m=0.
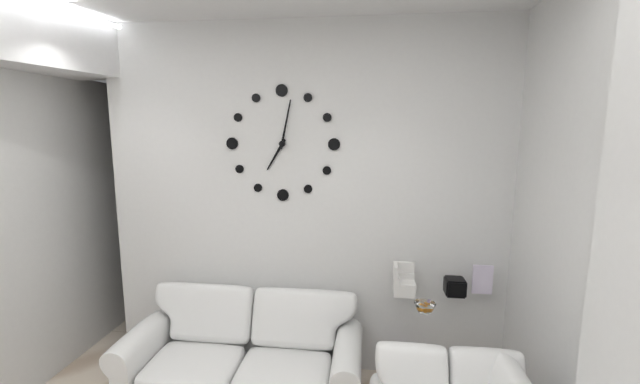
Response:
h=7 m=2
